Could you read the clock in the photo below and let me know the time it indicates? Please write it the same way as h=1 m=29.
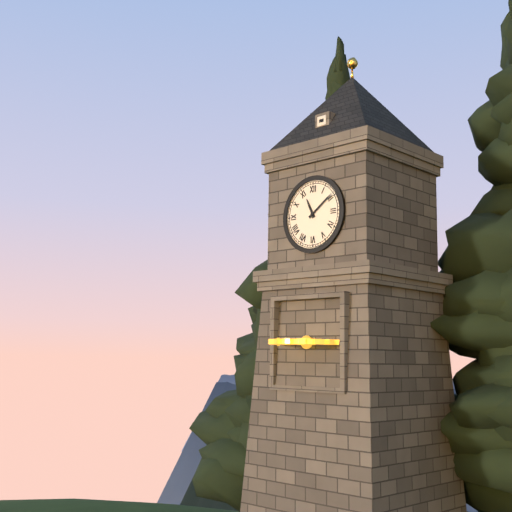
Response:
h=11 m=9
